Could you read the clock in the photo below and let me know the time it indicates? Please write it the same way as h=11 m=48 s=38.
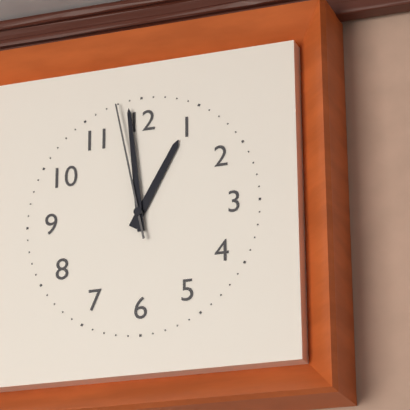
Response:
h=12 m=59 s=58
